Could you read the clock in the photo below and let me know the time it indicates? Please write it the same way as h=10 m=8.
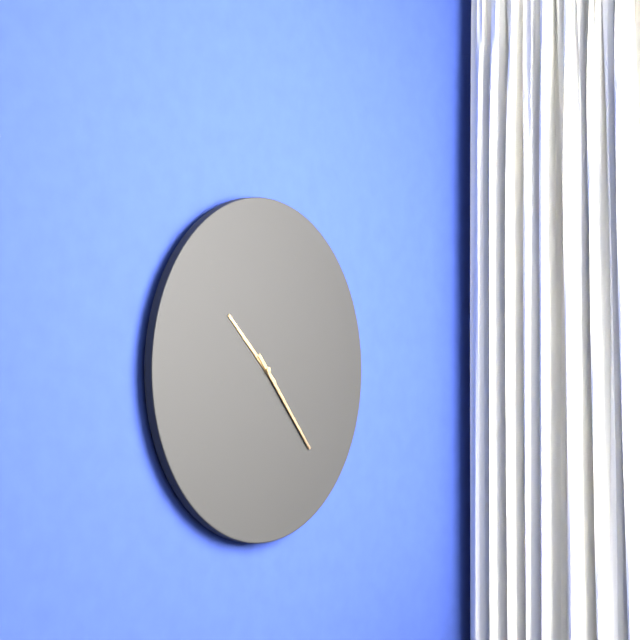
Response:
h=10 m=23
